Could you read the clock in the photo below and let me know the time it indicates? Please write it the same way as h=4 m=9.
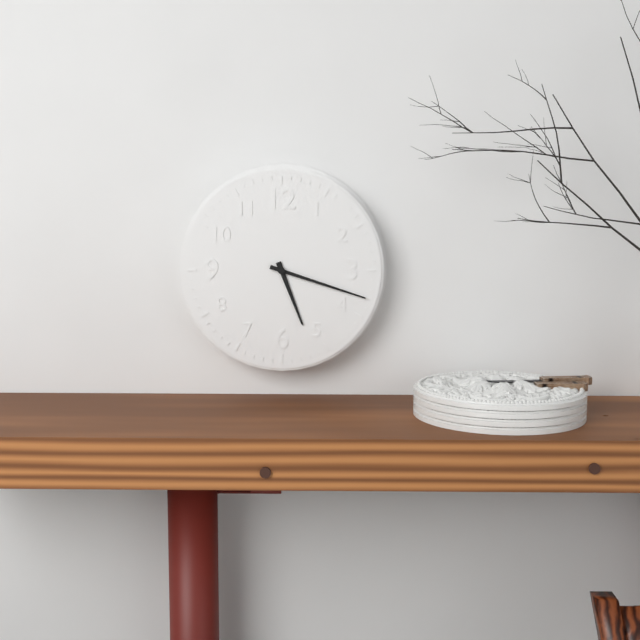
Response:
h=5 m=18
